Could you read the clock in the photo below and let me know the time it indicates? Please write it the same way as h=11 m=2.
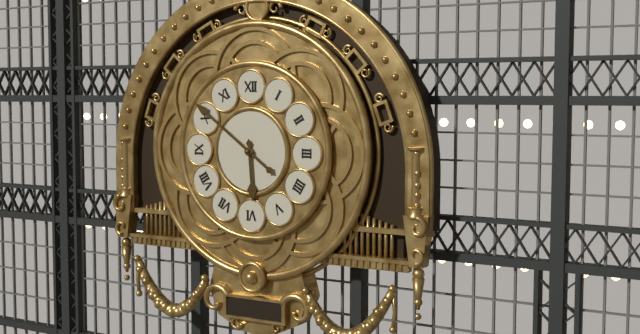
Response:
h=5 m=51
